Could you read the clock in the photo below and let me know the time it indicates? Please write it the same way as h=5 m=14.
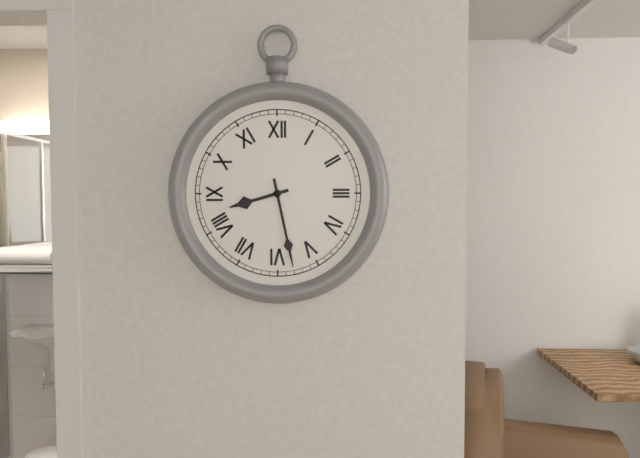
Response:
h=8 m=28
